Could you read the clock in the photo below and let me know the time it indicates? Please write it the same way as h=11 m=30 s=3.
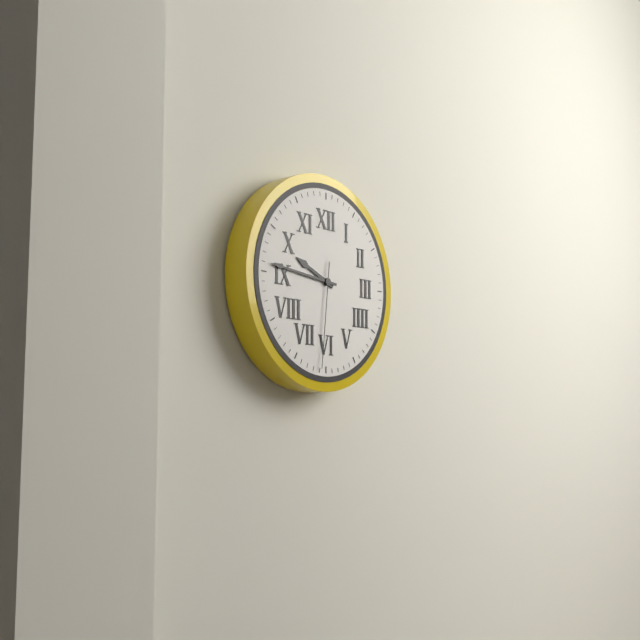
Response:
h=9 m=46 s=31
